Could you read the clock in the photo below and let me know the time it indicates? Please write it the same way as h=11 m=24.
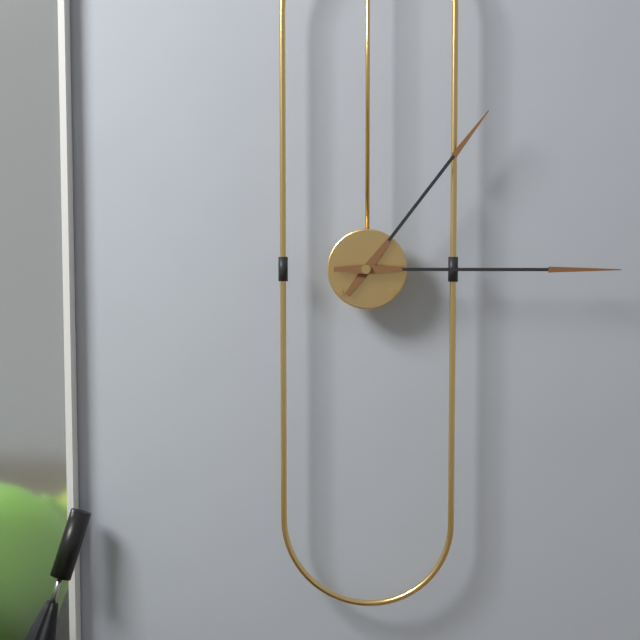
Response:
h=1 m=15
